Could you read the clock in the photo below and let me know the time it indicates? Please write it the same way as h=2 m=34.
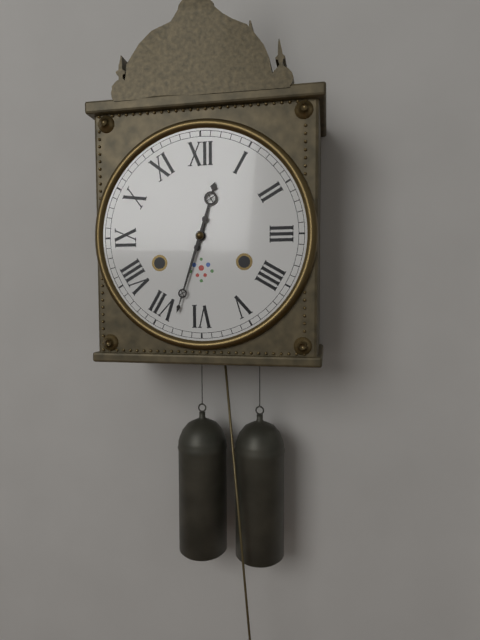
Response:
h=12 m=33
